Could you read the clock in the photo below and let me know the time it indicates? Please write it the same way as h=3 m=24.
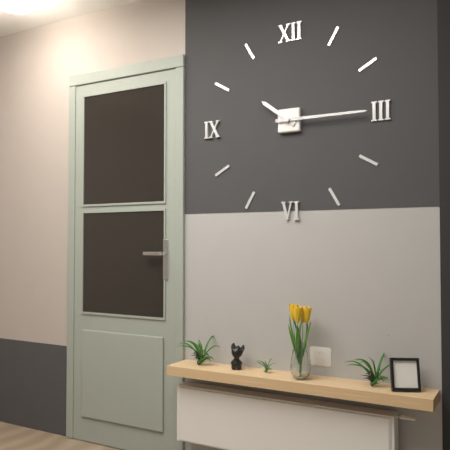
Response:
h=10 m=15
